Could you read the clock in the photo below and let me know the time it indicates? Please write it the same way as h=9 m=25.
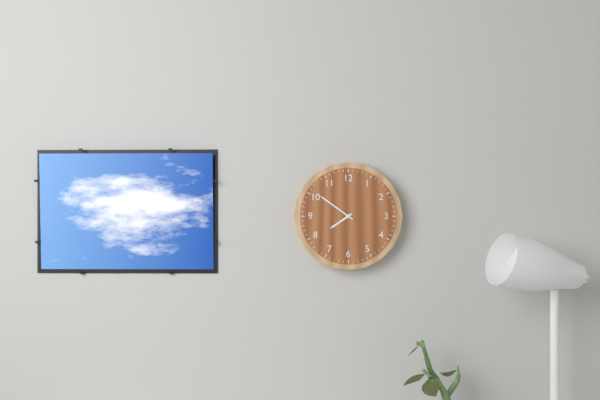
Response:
h=7 m=51
